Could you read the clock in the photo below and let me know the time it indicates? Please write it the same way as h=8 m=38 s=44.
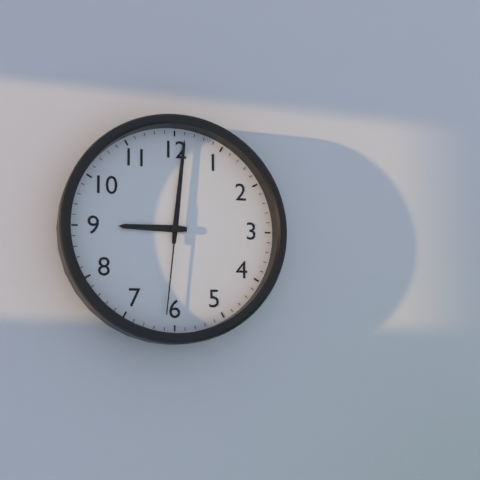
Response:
h=9 m=1 s=31
